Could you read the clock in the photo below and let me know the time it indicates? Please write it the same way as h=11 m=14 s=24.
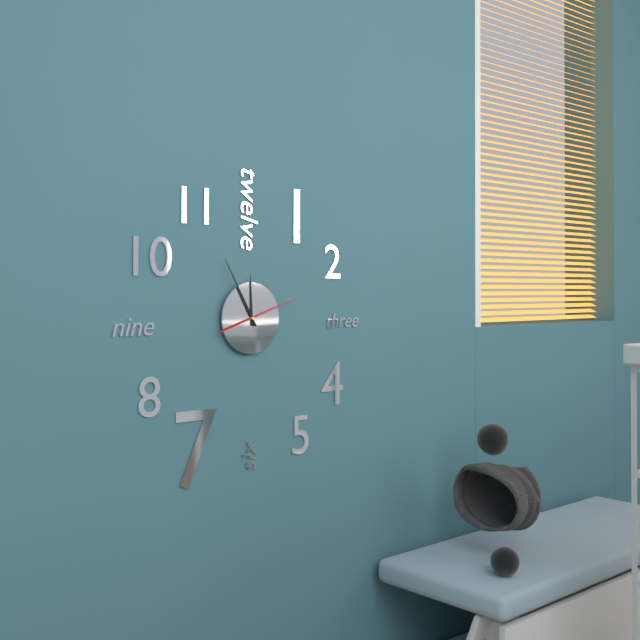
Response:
h=11 m=55 s=12
